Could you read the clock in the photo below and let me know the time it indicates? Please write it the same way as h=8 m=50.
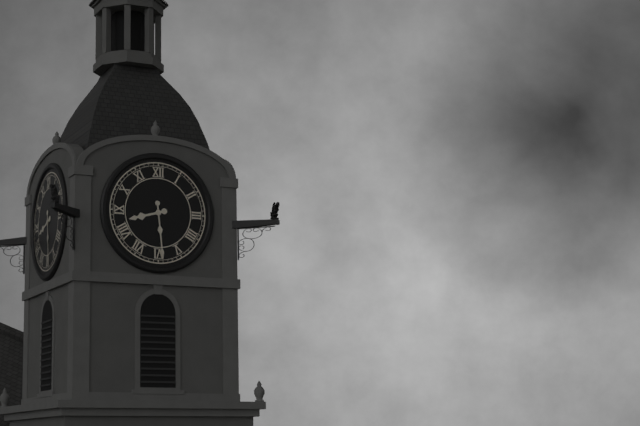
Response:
h=8 m=29
